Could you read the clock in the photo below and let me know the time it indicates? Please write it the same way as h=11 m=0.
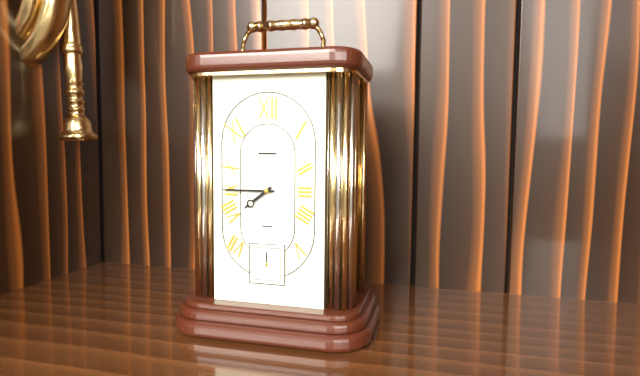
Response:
h=7 m=45
